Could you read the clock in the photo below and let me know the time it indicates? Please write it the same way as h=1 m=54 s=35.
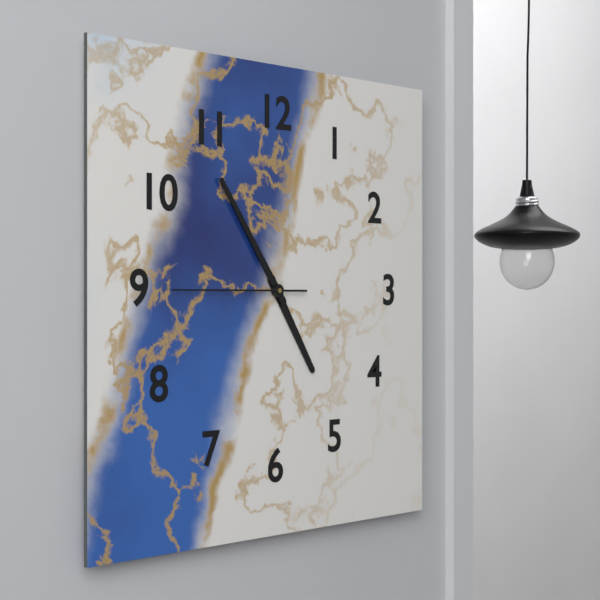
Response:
h=4 m=54 s=45
